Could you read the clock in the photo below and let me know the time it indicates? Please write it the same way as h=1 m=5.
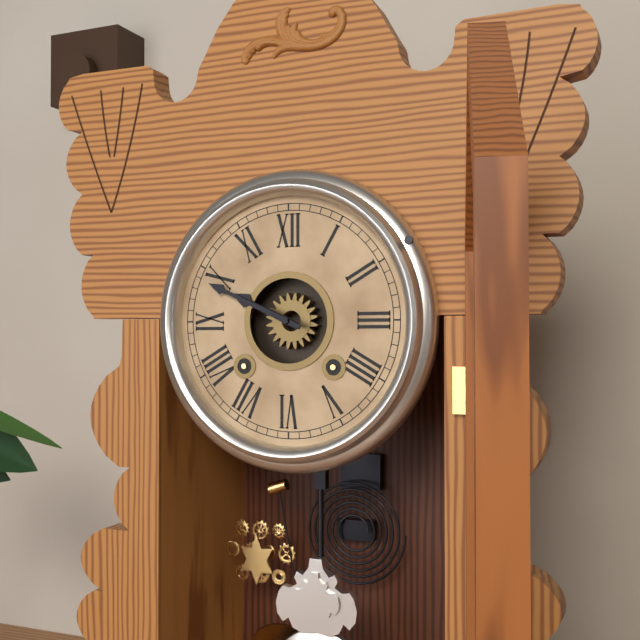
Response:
h=9 m=49
